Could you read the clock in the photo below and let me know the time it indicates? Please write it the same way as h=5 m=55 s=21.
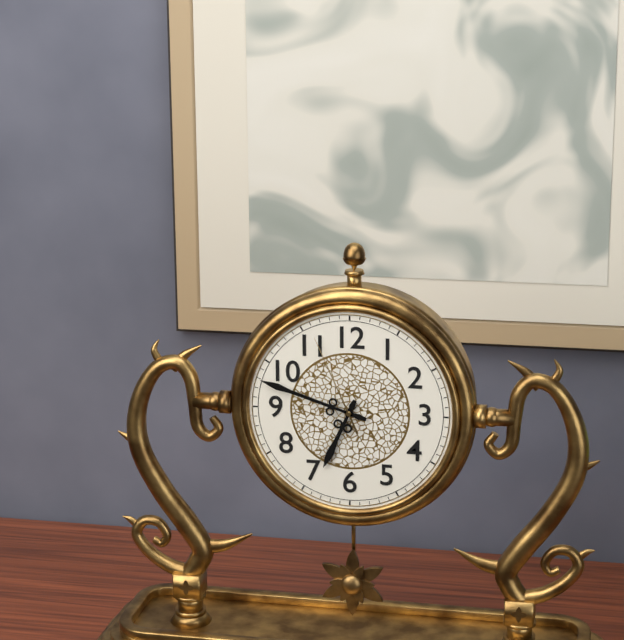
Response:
h=6 m=48 s=56
